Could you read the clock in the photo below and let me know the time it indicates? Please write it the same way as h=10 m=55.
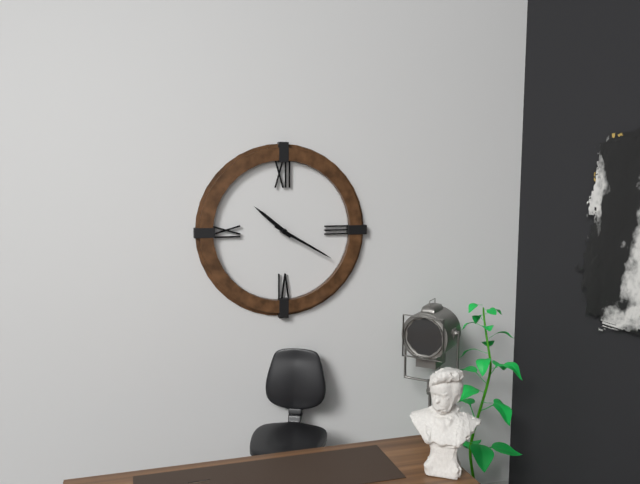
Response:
h=10 m=20
